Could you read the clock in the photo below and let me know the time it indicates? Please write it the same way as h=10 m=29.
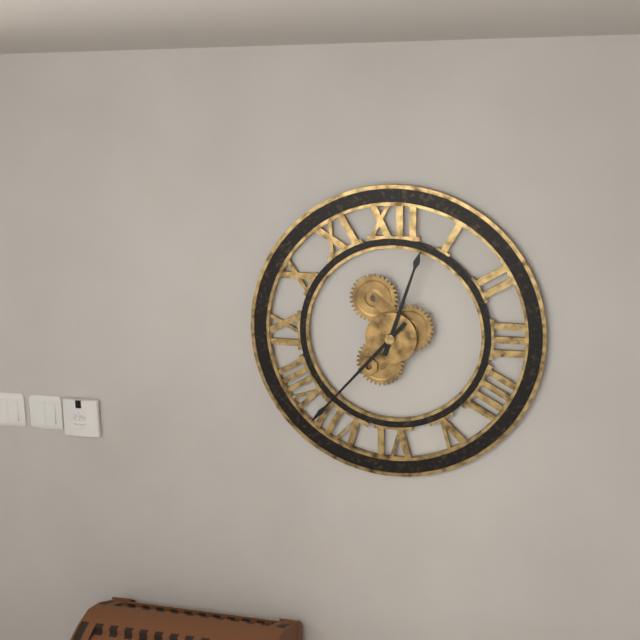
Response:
h=12 m=37
